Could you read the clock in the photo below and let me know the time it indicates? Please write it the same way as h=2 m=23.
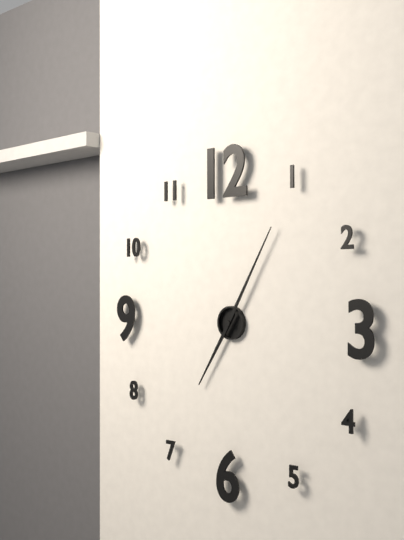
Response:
h=7 m=5
